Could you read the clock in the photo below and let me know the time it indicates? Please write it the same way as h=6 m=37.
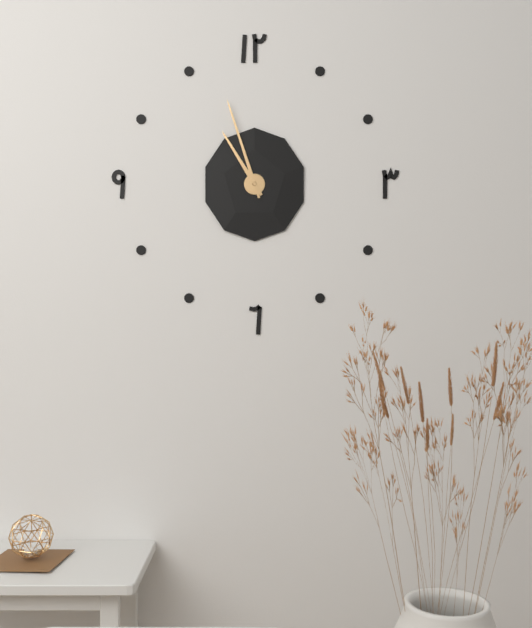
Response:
h=10 m=57
